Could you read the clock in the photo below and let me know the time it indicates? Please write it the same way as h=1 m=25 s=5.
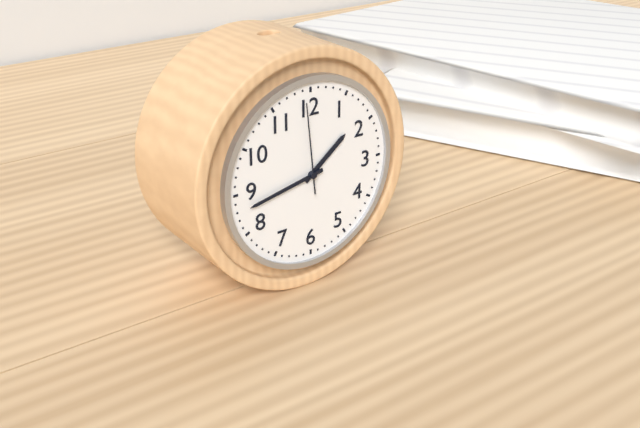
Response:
h=1 m=43 s=59
